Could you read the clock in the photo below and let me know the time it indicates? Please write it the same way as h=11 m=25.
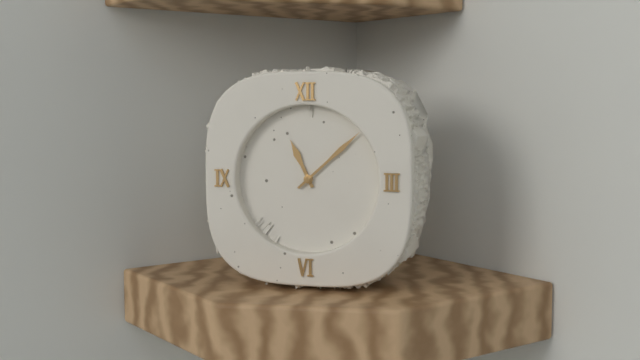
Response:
h=11 m=8
